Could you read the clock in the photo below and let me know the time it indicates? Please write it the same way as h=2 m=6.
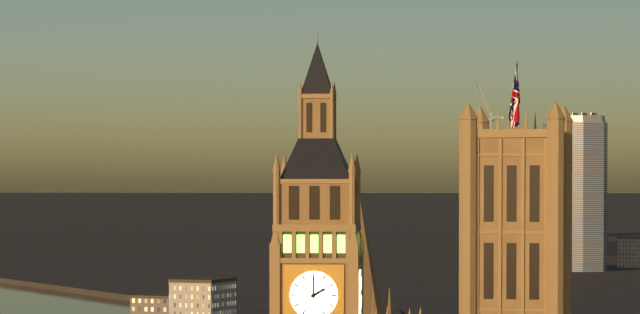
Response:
h=2 m=0
